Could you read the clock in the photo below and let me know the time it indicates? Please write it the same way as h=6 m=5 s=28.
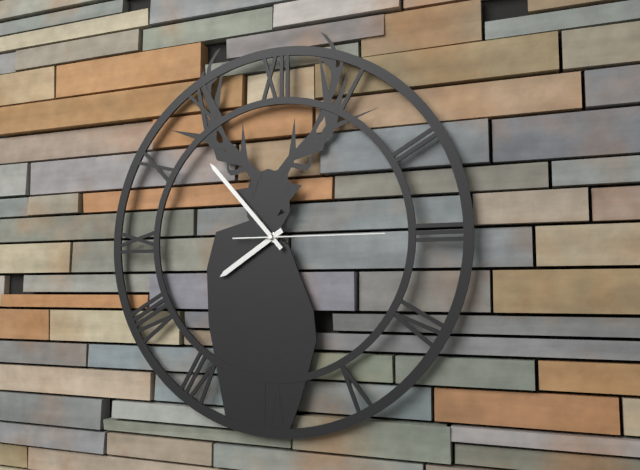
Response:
h=7 m=53 s=15
